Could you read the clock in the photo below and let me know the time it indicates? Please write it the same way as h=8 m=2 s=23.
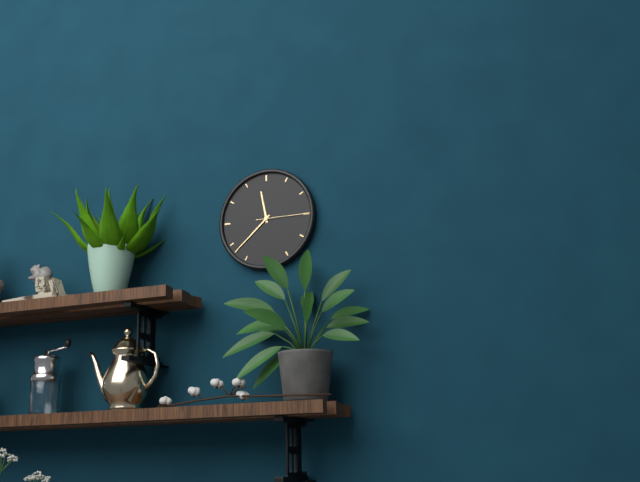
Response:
h=11 m=38 s=15
